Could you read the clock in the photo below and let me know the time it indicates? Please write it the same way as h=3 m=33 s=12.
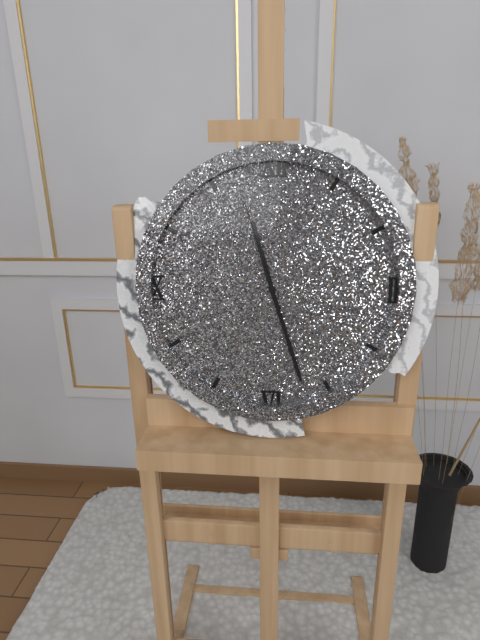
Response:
h=11 m=27 s=57
